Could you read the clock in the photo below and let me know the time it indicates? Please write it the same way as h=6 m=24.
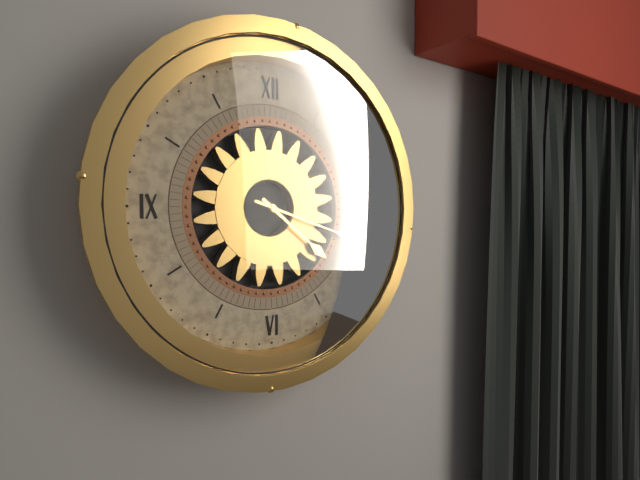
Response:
h=4 m=18
